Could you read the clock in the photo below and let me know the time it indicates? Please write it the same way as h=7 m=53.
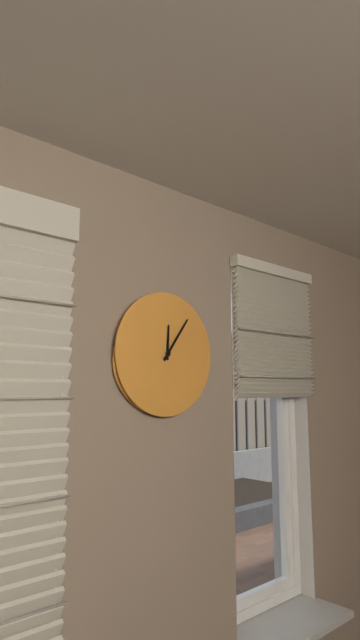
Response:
h=12 m=6
